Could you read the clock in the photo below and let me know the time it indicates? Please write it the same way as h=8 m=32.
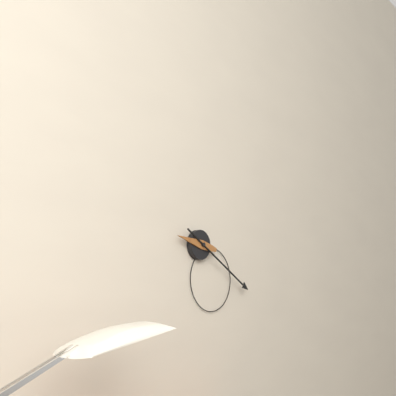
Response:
h=9 m=20
